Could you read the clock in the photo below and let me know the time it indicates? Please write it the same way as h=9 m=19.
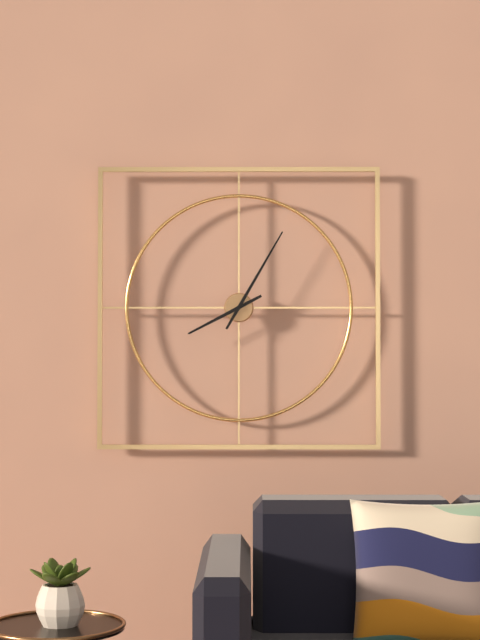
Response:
h=8 m=5
